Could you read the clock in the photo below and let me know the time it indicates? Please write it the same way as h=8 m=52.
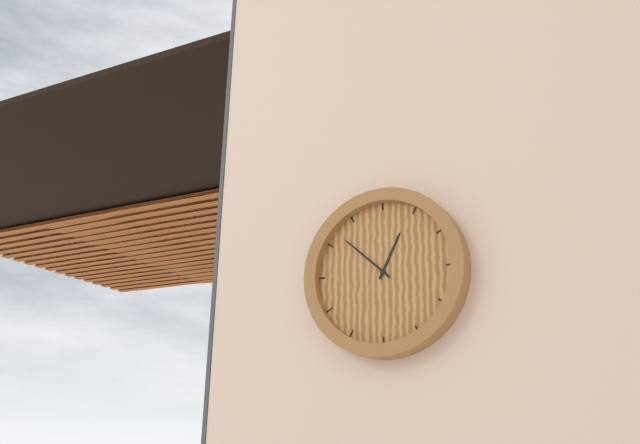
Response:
h=12 m=52
